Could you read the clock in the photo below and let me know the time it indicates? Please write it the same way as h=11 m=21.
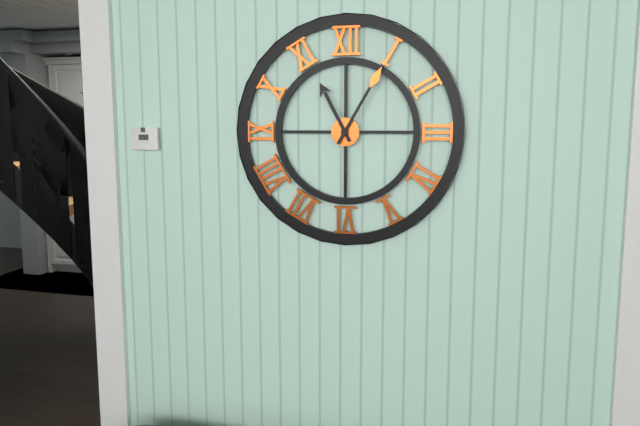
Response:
h=11 m=5
